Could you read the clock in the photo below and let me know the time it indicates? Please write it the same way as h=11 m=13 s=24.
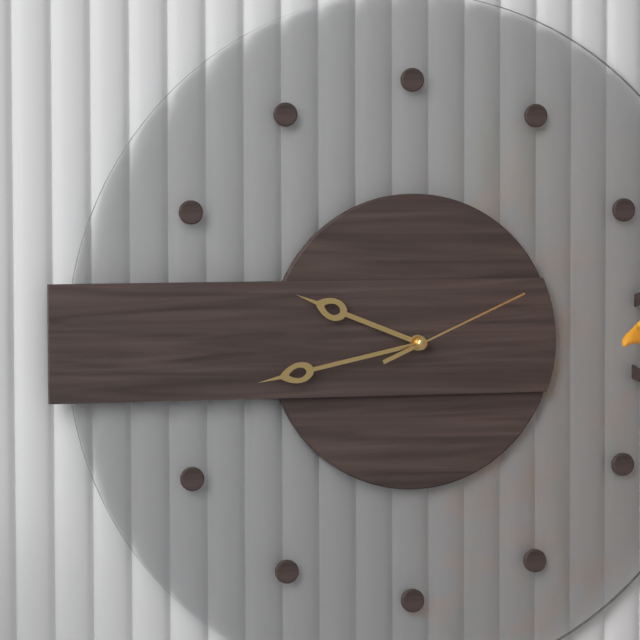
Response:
h=9 m=43 s=11
